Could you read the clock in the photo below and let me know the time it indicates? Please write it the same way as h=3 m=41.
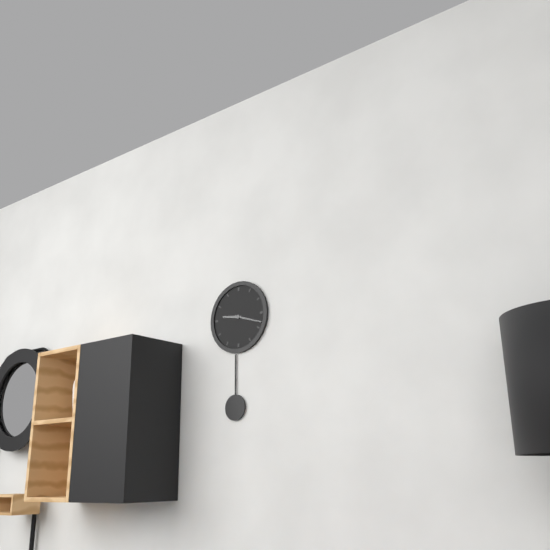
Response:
h=9 m=18
